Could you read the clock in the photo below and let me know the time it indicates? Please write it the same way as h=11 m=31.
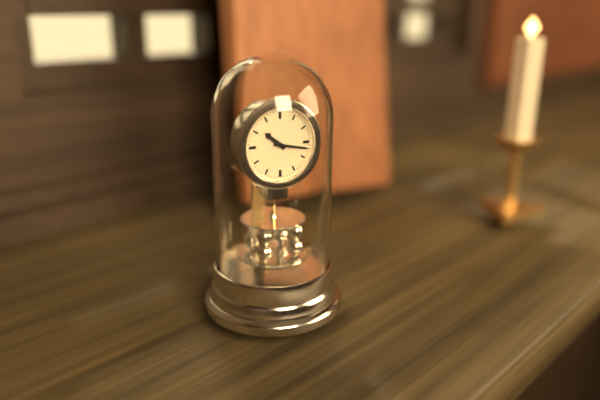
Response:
h=10 m=17
